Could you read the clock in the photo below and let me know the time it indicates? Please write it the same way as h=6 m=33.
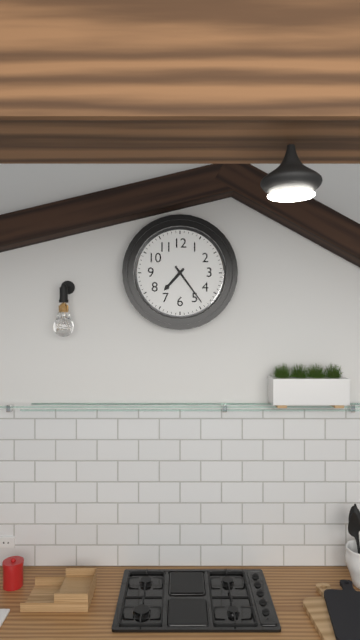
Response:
h=7 m=24
